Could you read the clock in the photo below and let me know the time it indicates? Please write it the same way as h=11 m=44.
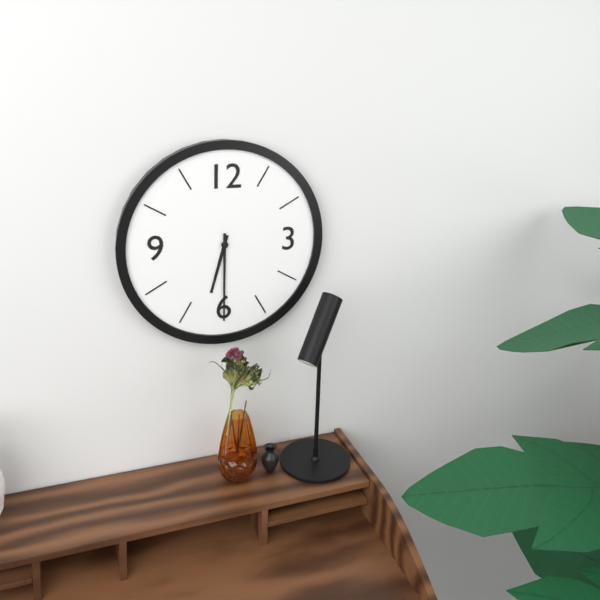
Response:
h=6 m=30
